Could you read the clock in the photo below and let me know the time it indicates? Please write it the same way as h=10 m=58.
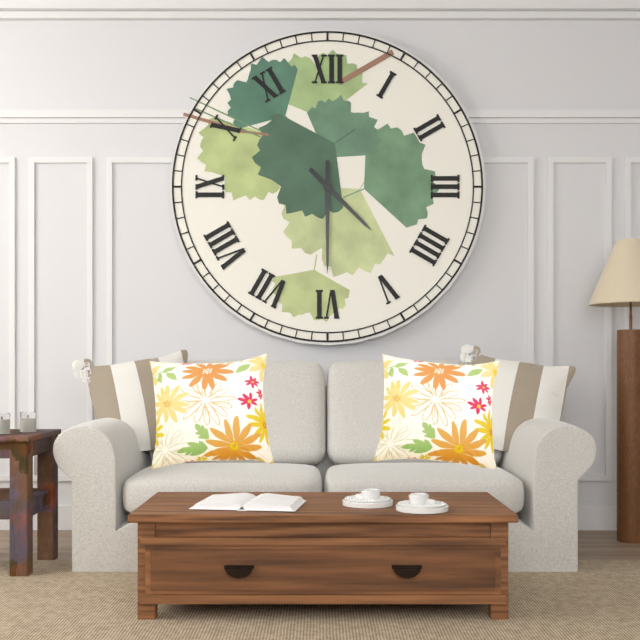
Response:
h=4 m=30
